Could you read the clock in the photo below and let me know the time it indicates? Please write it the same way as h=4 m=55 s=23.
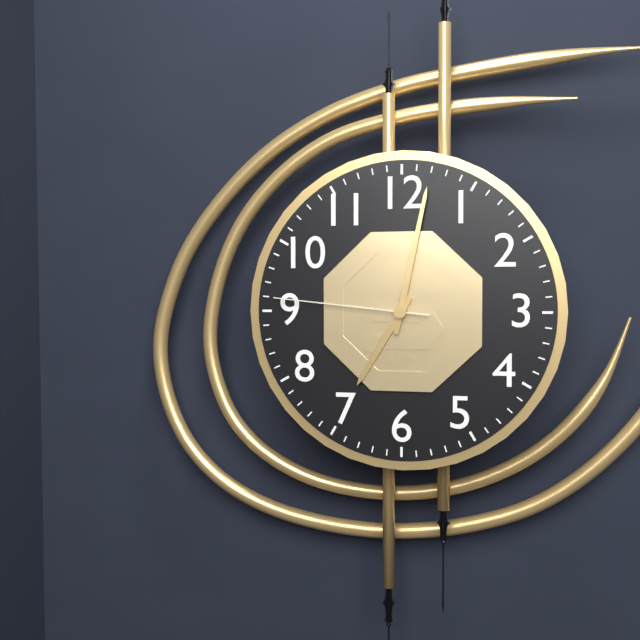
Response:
h=7 m=2 s=46
